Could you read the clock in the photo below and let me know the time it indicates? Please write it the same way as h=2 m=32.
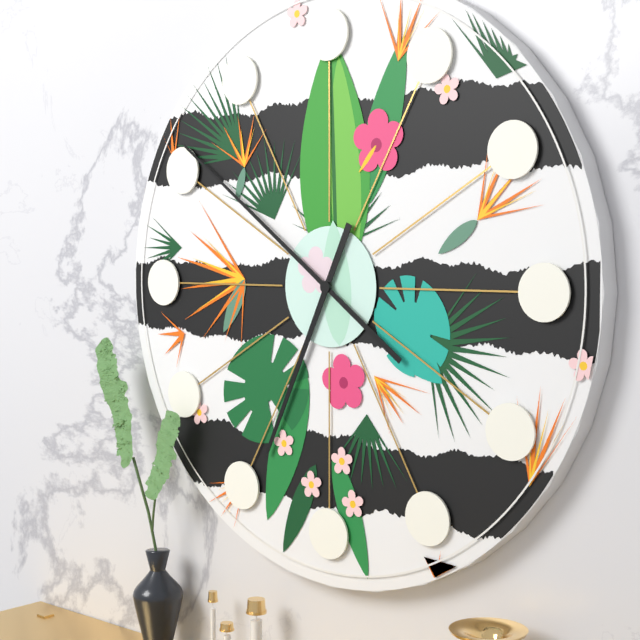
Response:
h=6 m=51
